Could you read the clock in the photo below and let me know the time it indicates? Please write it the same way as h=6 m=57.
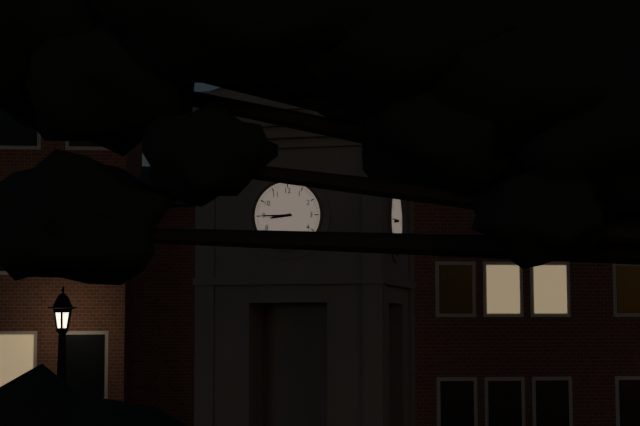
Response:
h=8 m=45
